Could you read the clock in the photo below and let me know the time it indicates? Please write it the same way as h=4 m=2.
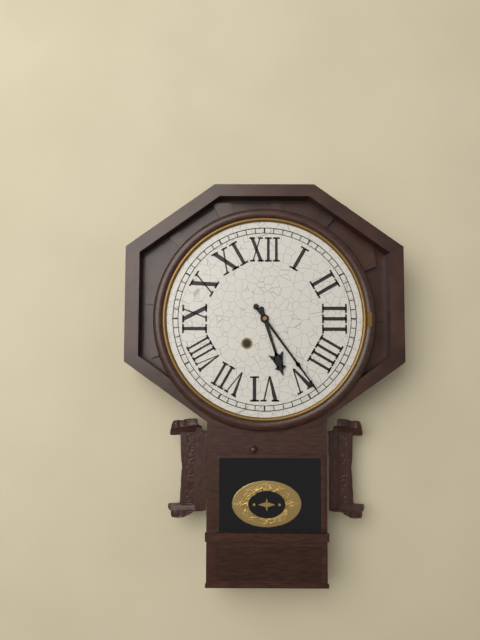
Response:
h=5 m=24
